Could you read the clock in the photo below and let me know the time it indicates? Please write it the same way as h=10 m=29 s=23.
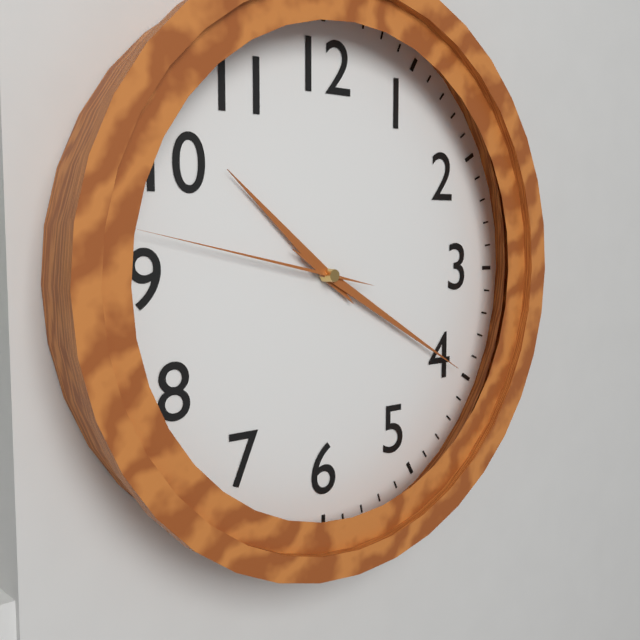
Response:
h=10 m=20 s=47
